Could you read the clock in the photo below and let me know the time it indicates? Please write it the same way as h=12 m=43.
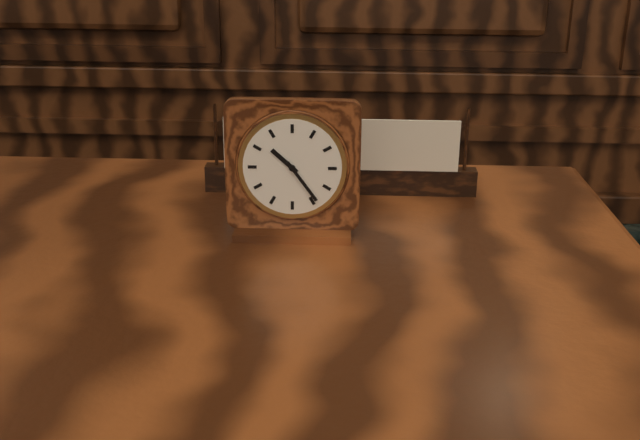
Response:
h=10 m=24
